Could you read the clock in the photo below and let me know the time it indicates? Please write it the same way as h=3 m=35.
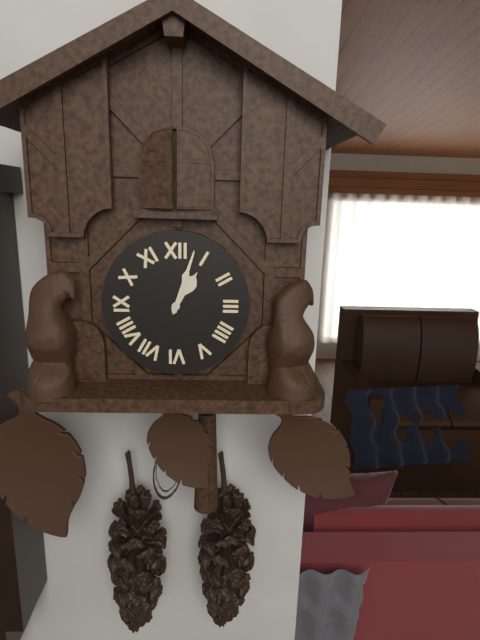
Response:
h=1 m=3
